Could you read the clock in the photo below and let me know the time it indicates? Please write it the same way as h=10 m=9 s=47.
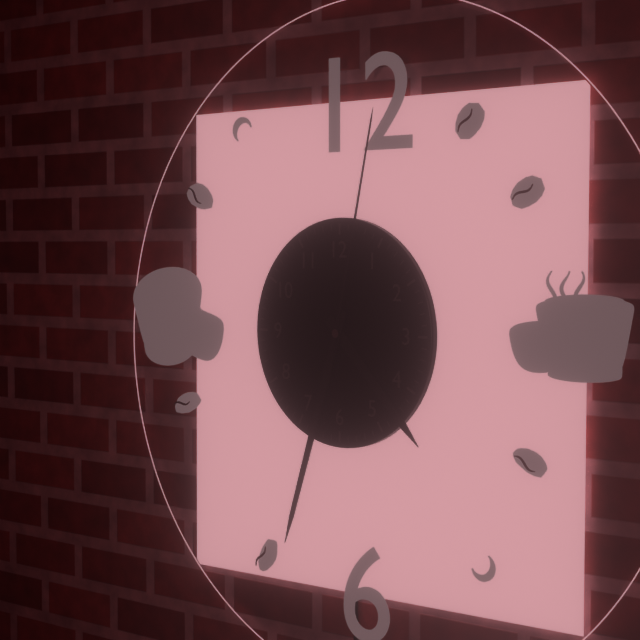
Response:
h=4 m=33 s=2
